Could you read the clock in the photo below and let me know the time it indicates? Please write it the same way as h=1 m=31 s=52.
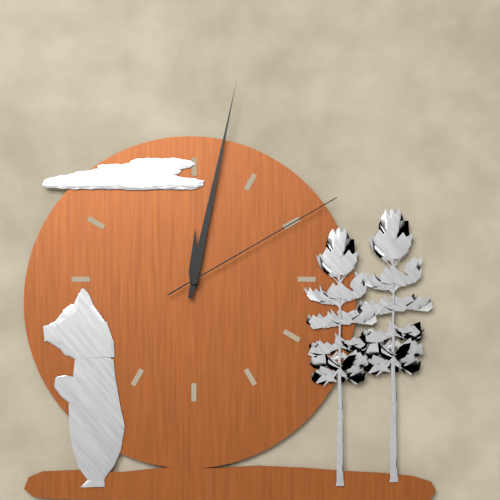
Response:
h=12 m=2 s=10
